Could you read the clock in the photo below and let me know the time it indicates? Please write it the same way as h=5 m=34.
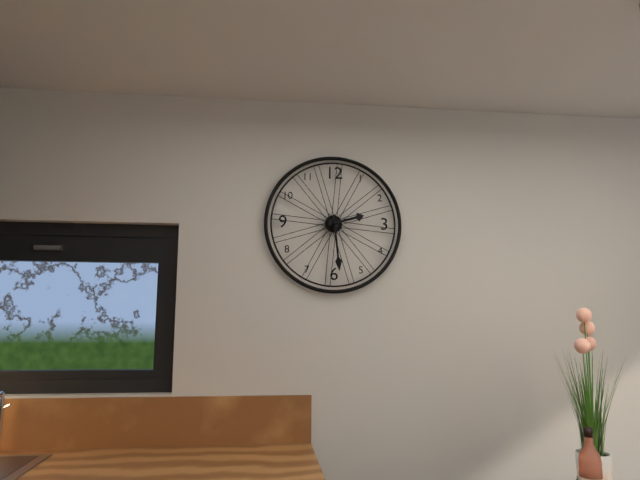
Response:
h=2 m=29
